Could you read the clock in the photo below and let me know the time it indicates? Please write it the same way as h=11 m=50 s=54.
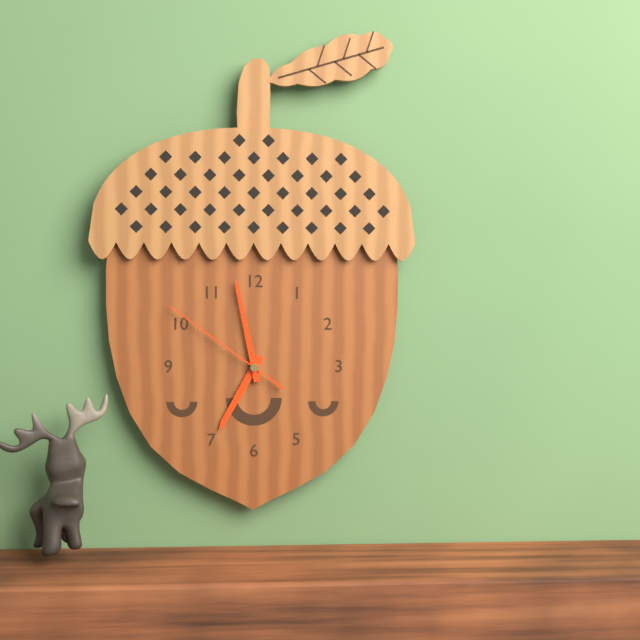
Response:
h=6 m=58 s=51
